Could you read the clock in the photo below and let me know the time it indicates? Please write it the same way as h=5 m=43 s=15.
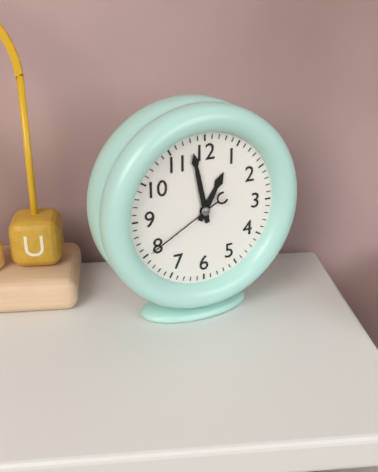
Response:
h=12 m=58 s=40
